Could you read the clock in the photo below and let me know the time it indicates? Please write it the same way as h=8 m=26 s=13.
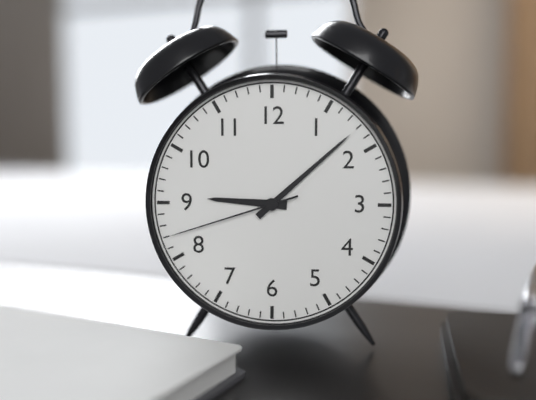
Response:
h=9 m=8 s=42
